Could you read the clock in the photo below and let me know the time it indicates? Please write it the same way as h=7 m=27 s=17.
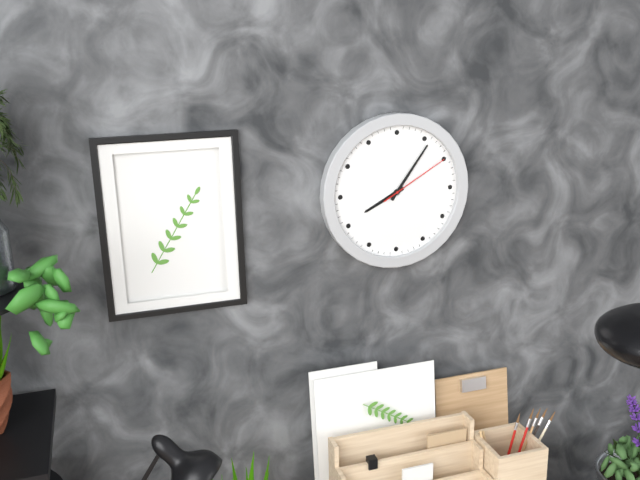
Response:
h=8 m=6 s=10
